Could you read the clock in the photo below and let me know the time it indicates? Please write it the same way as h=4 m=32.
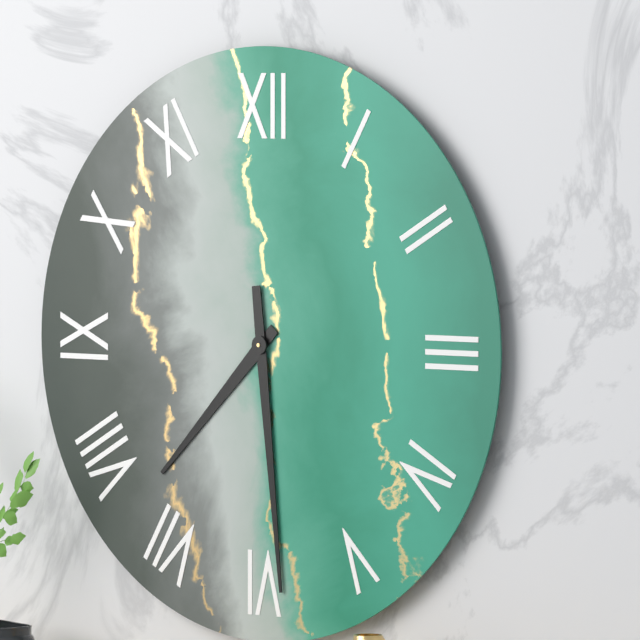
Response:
h=7 m=29
